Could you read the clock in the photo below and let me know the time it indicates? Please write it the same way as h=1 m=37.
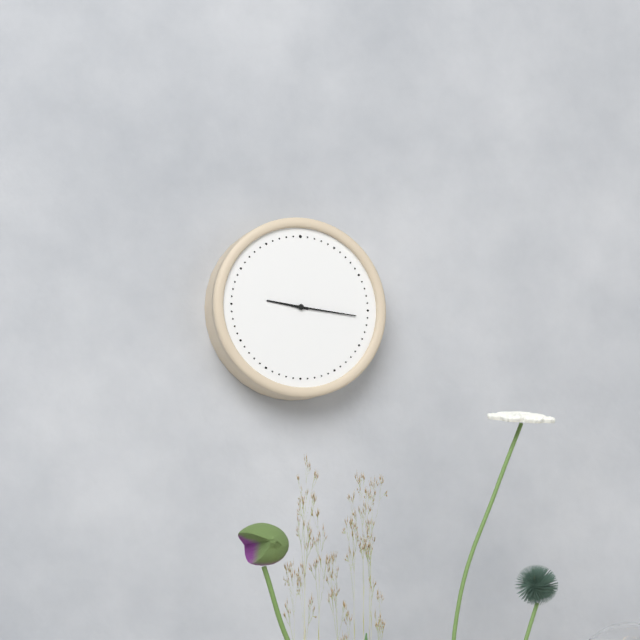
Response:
h=9 m=16
